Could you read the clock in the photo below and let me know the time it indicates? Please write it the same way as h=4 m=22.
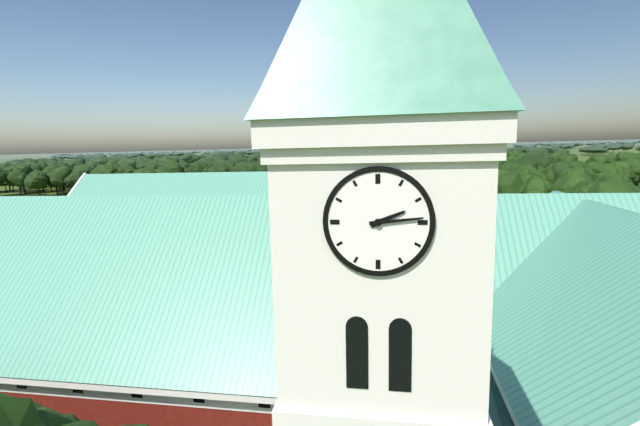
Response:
h=2 m=14
